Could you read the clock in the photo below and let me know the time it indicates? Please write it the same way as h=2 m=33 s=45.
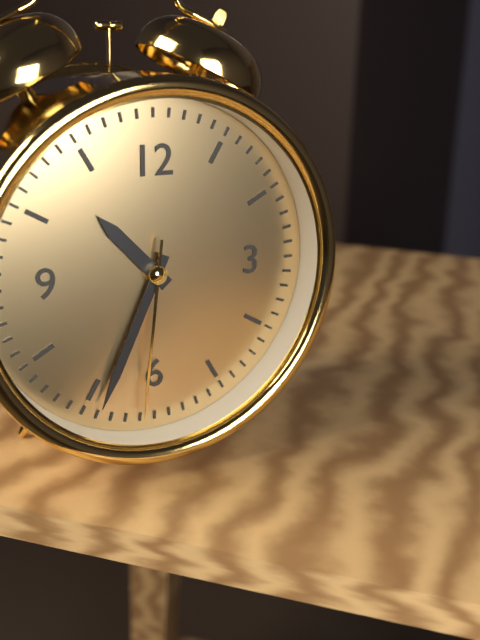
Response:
h=10 m=34 s=31
